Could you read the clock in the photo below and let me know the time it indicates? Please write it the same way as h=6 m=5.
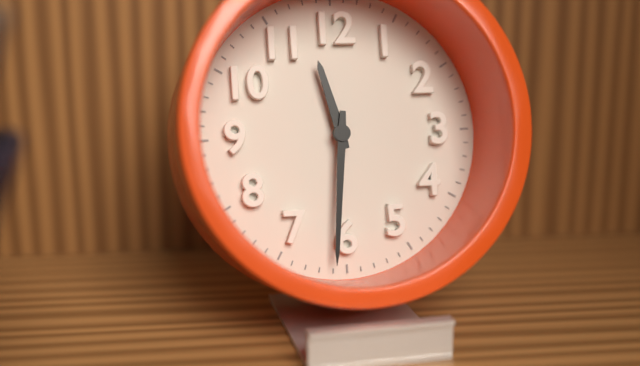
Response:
h=11 m=31
